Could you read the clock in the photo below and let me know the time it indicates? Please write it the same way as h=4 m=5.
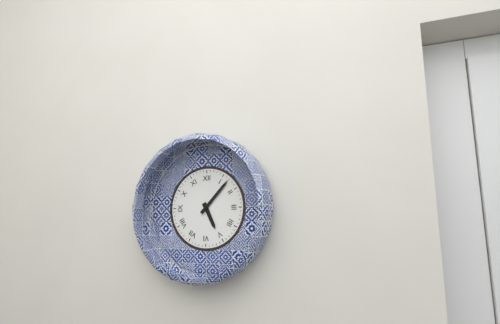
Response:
h=5 m=7
